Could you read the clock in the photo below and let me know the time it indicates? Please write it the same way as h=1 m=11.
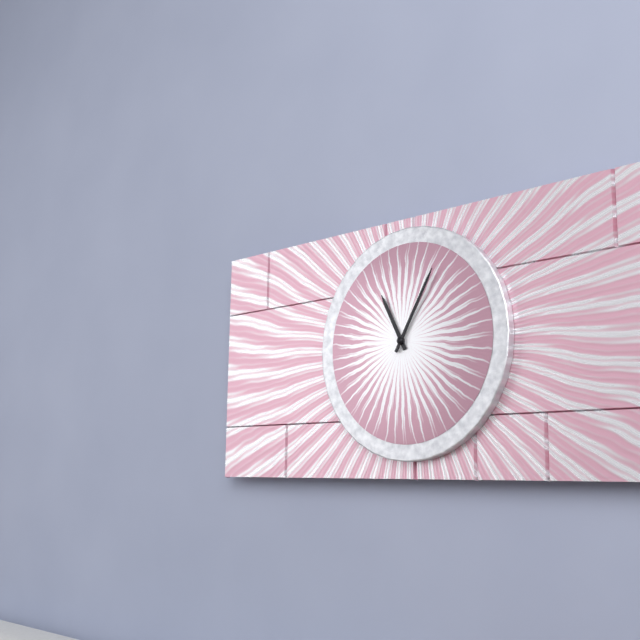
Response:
h=11 m=5
